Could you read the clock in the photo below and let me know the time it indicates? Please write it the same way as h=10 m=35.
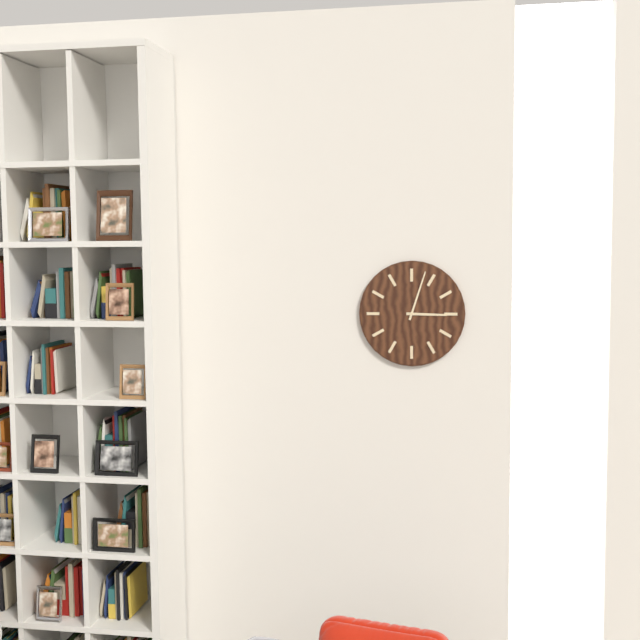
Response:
h=3 m=3
